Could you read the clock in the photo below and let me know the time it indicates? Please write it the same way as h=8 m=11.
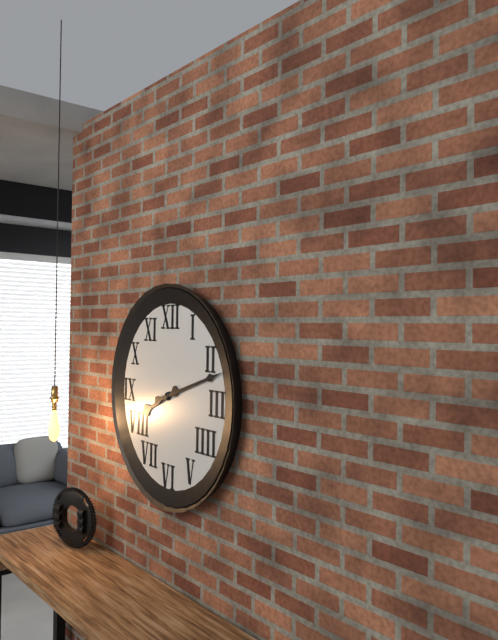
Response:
h=8 m=12
